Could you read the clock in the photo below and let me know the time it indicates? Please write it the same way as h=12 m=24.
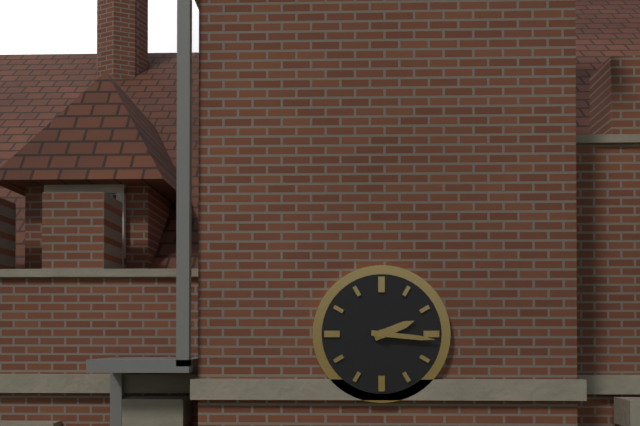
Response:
h=2 m=16
